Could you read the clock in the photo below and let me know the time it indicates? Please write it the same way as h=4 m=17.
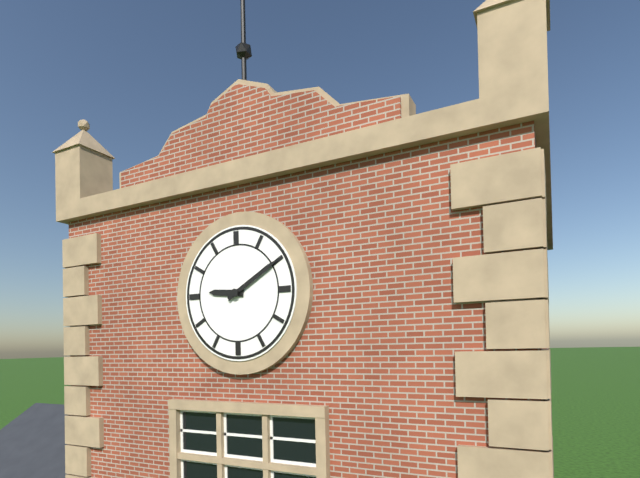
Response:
h=9 m=10
